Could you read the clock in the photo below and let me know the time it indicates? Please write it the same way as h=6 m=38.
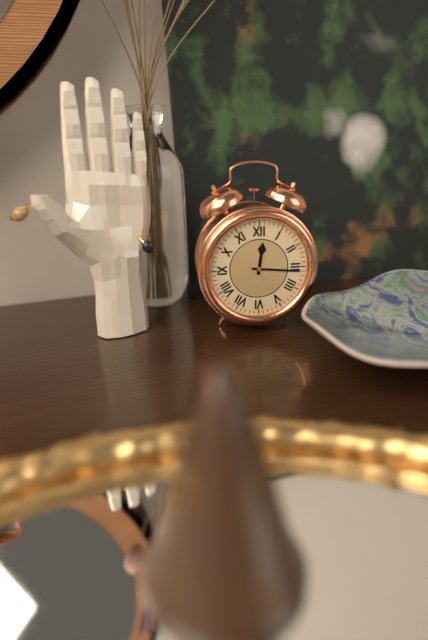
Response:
h=12 m=16
